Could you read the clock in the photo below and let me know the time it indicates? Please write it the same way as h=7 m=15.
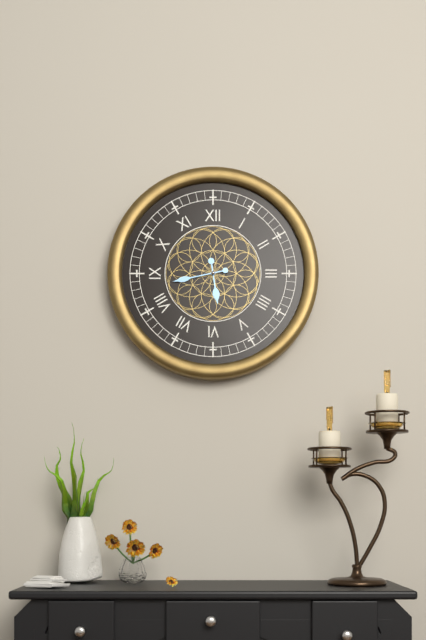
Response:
h=5 m=43
